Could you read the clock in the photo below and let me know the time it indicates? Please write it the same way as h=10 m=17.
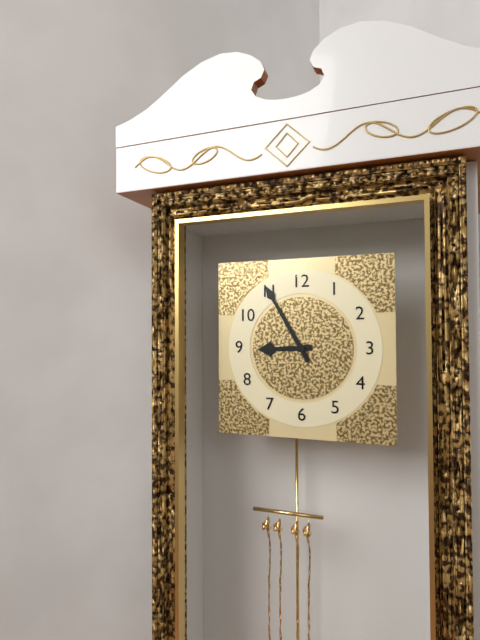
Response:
h=8 m=55
